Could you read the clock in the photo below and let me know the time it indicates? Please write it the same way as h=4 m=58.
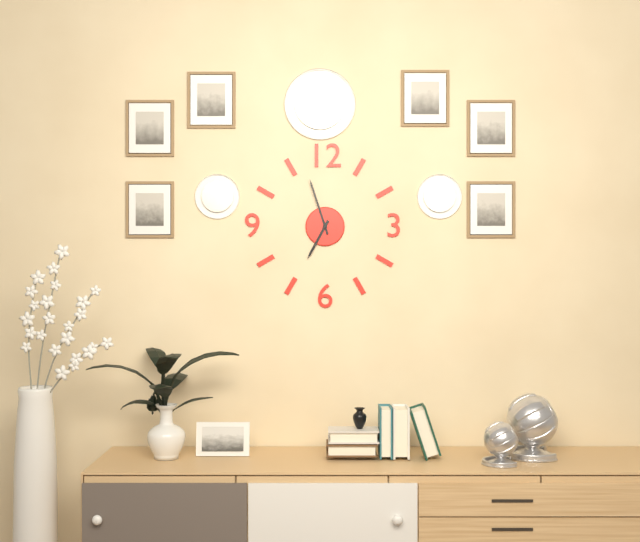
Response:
h=6 m=57
